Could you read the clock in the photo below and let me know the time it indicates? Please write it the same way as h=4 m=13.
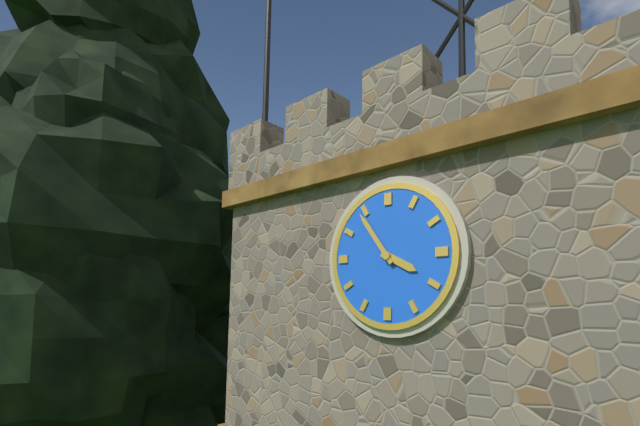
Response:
h=3 m=54
